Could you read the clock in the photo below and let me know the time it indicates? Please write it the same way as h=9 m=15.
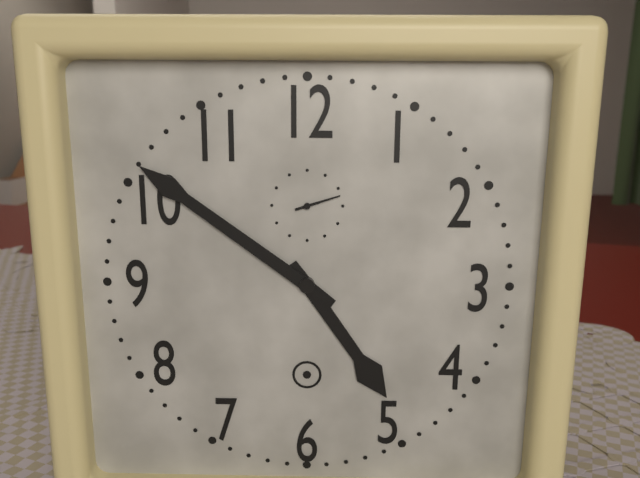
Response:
h=4 m=51
